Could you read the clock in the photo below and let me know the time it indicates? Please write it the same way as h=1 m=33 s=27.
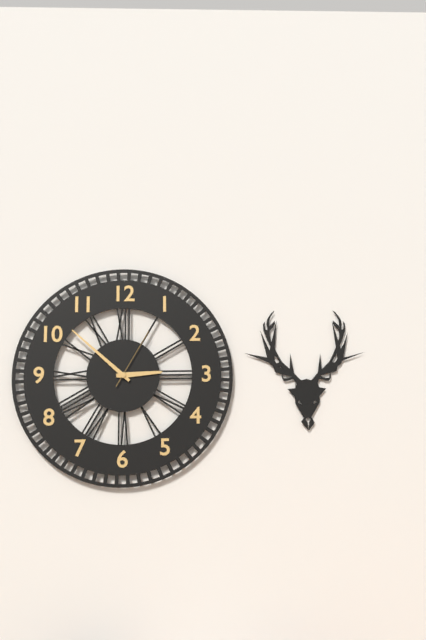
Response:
h=2 m=52 s=5
